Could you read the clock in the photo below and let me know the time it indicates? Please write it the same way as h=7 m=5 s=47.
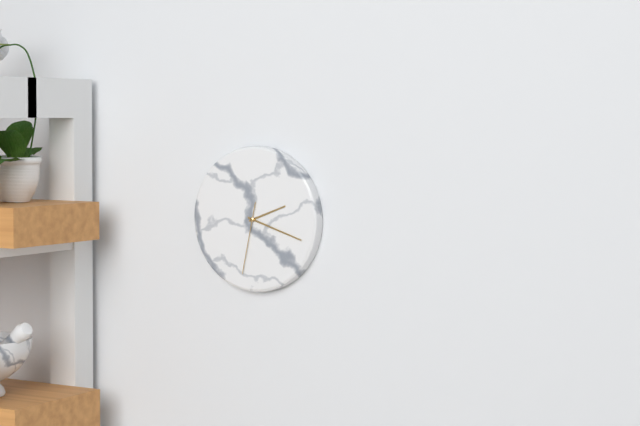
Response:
h=2 m=18 s=32
